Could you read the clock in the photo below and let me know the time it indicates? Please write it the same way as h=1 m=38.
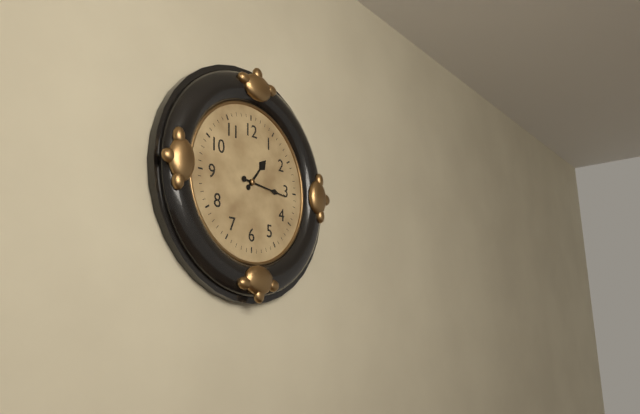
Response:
h=1 m=16
